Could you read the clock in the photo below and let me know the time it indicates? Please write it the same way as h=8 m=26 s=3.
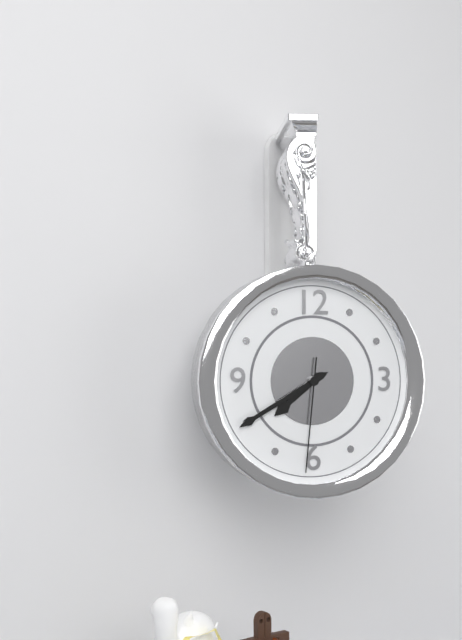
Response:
h=7 m=40 s=31
